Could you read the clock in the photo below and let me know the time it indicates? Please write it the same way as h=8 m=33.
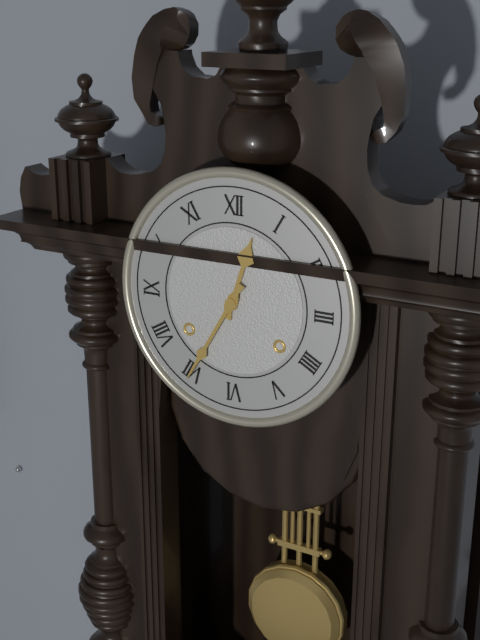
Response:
h=12 m=35
